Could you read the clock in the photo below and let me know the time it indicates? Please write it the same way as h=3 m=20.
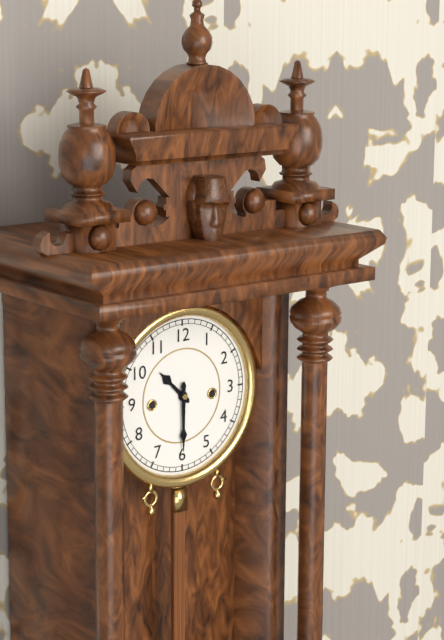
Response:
h=10 m=30
